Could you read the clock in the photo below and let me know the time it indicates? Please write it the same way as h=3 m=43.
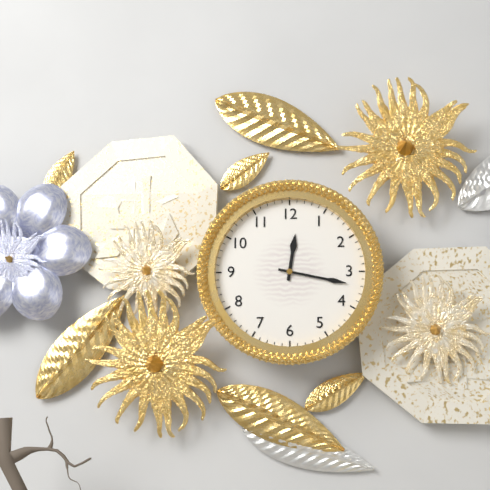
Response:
h=12 m=17
